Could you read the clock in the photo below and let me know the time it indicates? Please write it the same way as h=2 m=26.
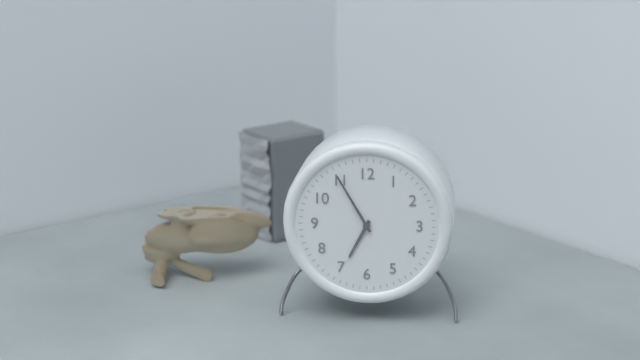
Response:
h=6 m=55
